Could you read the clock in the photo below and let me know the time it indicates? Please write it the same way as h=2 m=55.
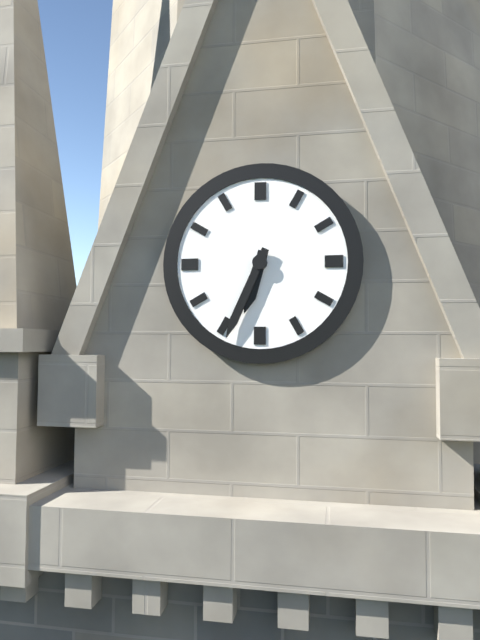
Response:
h=6 m=34
